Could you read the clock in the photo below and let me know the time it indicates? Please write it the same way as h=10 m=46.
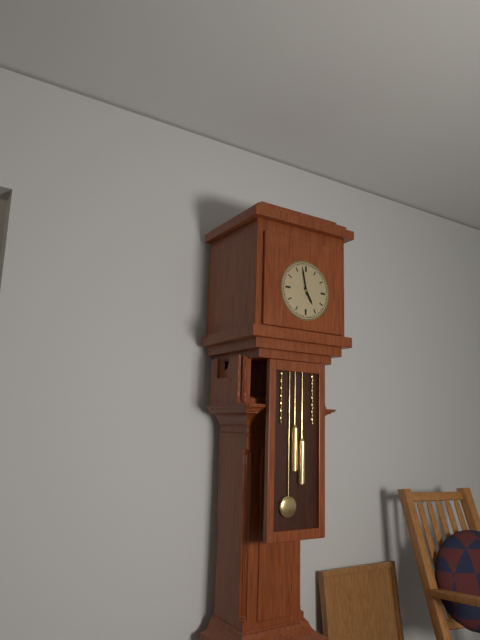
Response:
h=4 m=58
